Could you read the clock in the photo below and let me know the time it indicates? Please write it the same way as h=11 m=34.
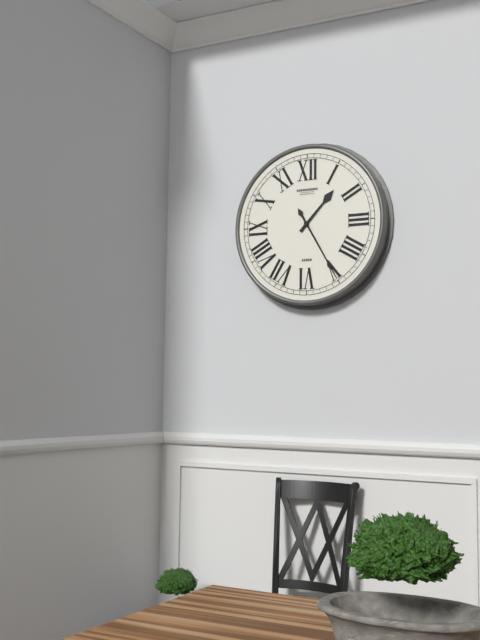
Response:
h=1 m=25
